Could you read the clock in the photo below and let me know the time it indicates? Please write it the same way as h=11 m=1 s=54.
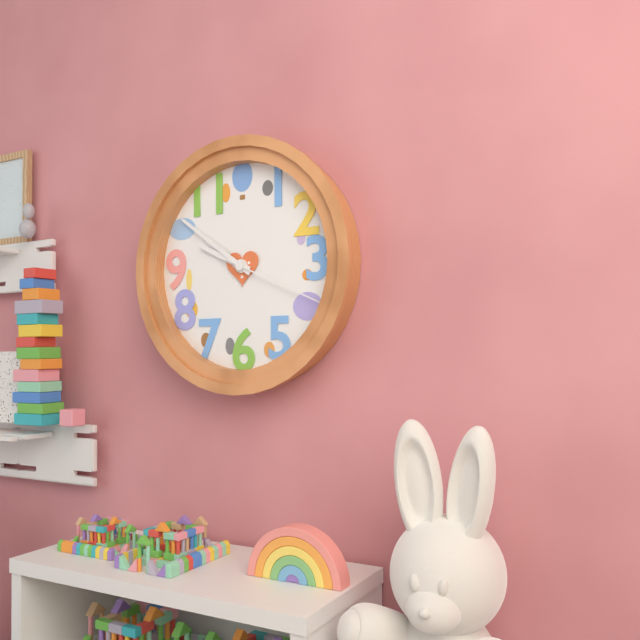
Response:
h=9 m=51 s=19
